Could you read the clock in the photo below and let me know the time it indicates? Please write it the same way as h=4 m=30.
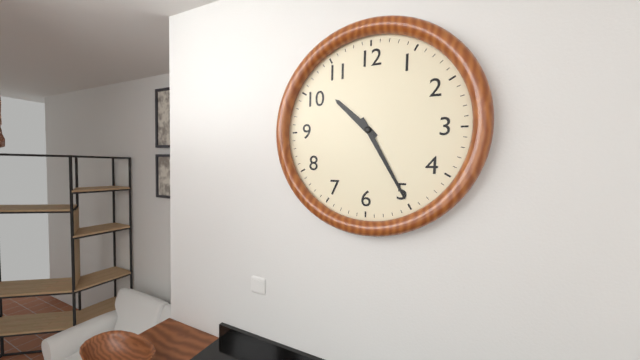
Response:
h=10 m=25
